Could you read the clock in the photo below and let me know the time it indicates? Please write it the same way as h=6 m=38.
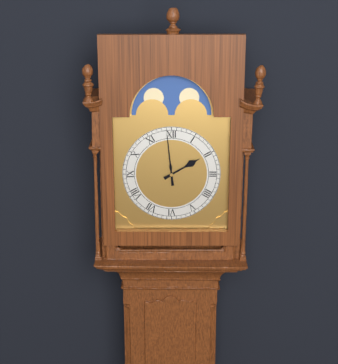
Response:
h=1 m=59
